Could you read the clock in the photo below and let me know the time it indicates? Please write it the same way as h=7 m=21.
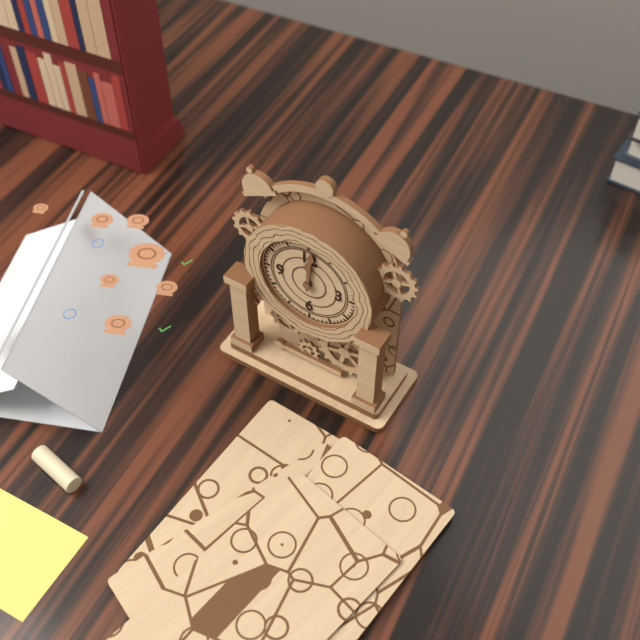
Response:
h=12 m=1
